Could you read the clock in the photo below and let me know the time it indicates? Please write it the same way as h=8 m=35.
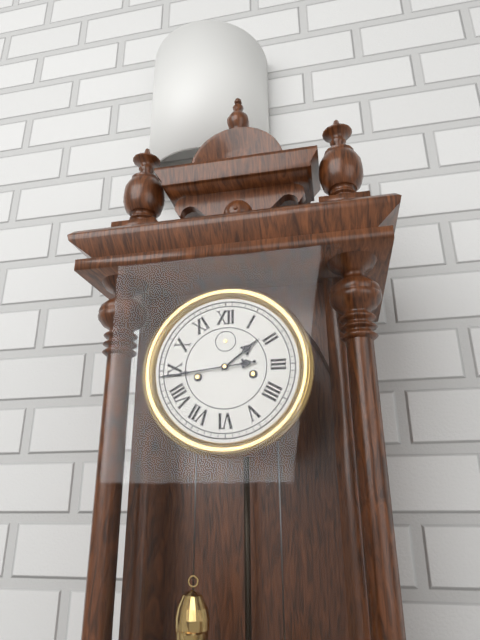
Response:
h=1 m=44
